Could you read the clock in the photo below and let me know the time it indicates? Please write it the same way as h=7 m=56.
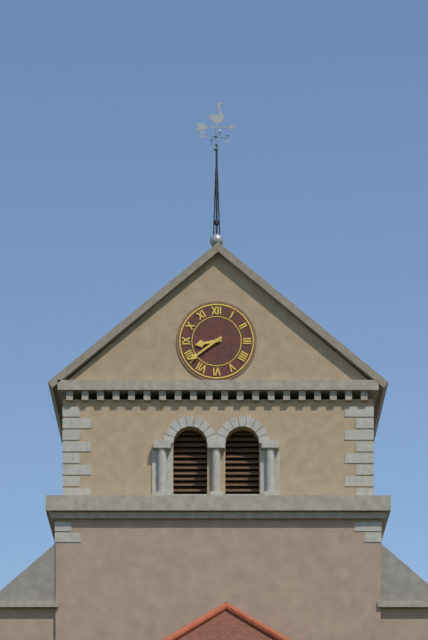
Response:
h=8 m=39
